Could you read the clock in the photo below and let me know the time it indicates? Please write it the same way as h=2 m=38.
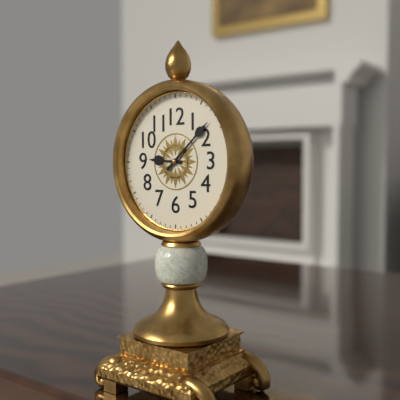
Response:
h=9 m=8
